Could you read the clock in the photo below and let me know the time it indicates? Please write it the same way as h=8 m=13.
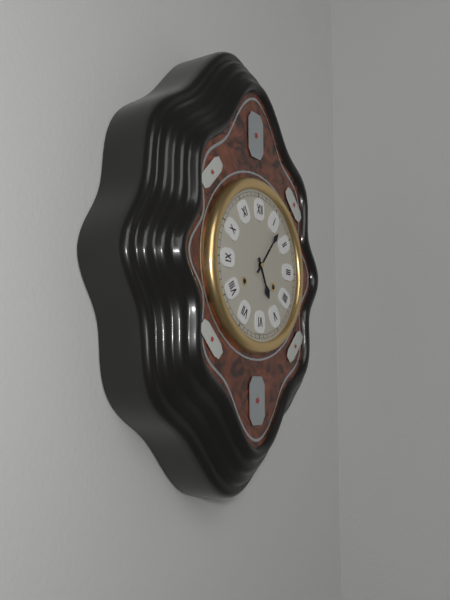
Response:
h=5 m=7
